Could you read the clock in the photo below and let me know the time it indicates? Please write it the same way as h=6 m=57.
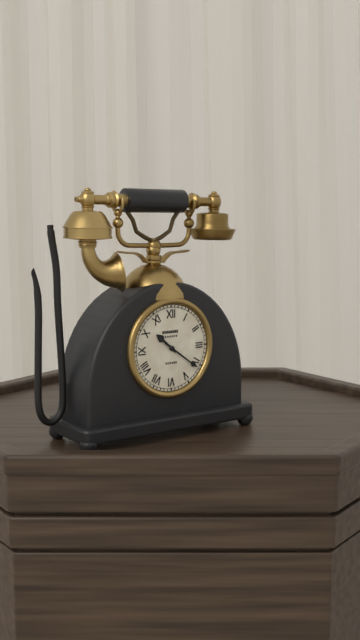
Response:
h=10 m=21
